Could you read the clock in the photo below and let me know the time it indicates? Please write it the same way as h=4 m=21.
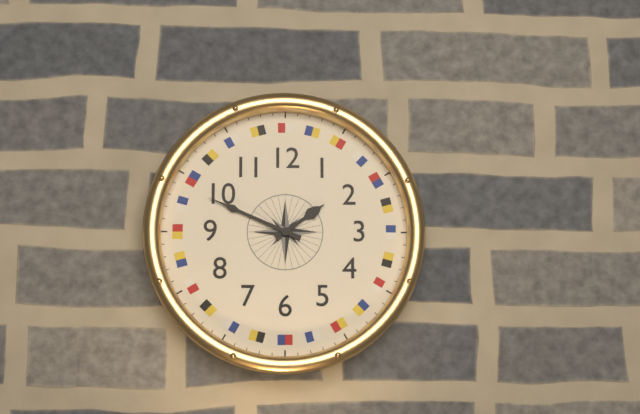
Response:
h=1 m=49
